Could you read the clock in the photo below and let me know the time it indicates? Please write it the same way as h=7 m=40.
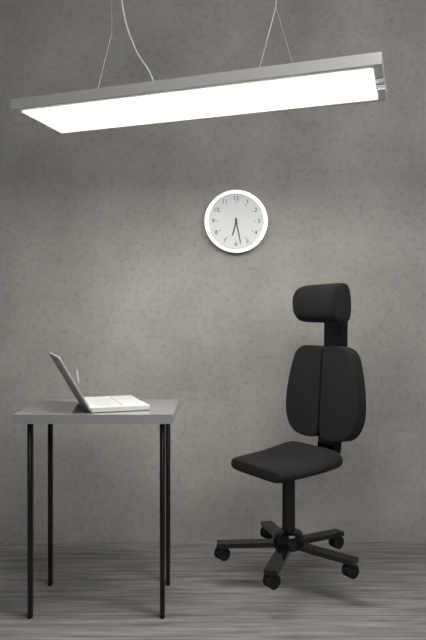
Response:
h=6 m=28
